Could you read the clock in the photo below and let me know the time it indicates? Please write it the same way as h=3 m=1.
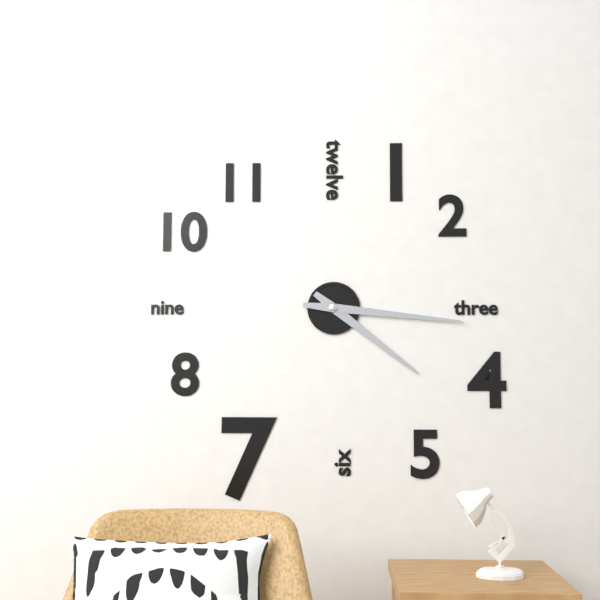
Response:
h=4 m=16
